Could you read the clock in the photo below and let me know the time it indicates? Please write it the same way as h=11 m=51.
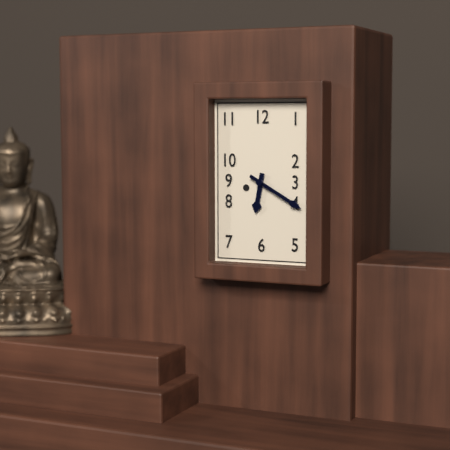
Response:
h=6 m=20
